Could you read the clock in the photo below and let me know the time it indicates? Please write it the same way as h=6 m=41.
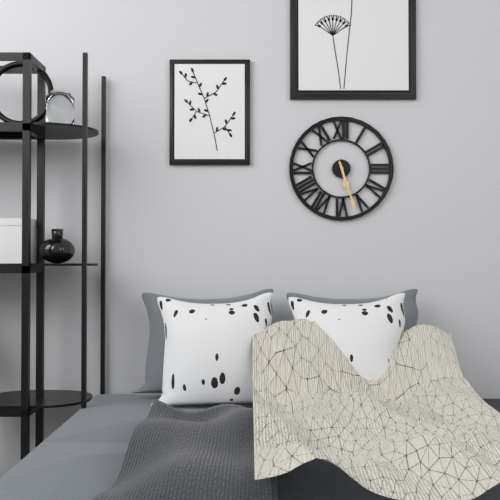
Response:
h=5 m=27
